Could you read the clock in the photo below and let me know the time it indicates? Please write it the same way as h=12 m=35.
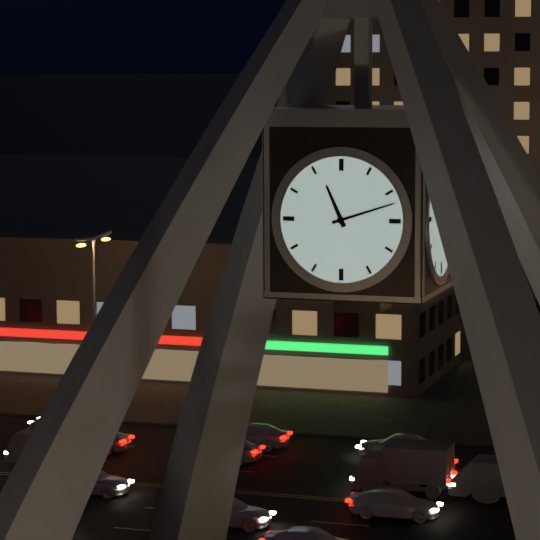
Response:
h=11 m=12
